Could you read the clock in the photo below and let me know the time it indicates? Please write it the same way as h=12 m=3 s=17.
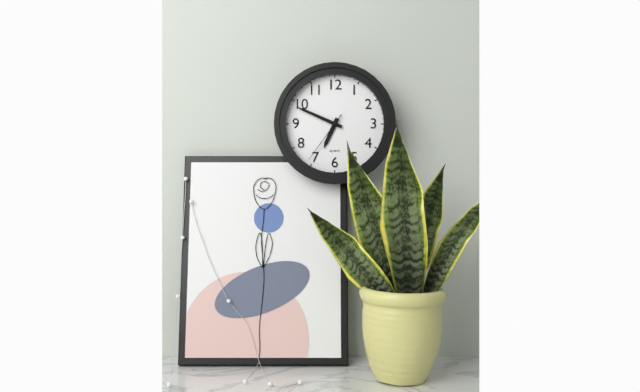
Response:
h=6 m=49 s=36
